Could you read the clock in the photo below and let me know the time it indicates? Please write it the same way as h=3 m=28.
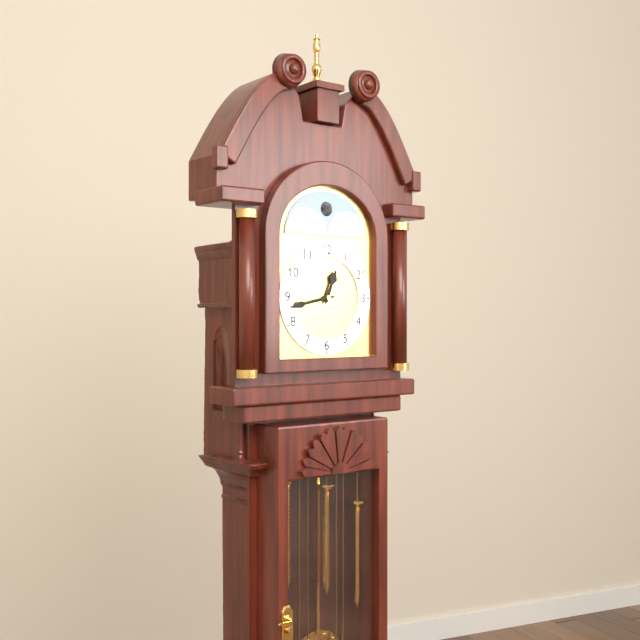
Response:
h=12 m=43
